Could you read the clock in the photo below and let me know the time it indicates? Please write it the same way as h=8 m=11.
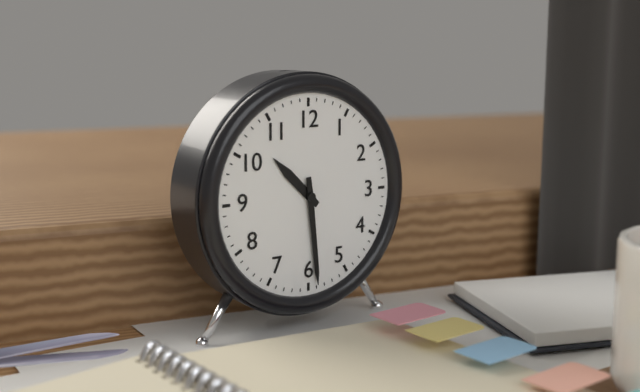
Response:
h=10 m=29
